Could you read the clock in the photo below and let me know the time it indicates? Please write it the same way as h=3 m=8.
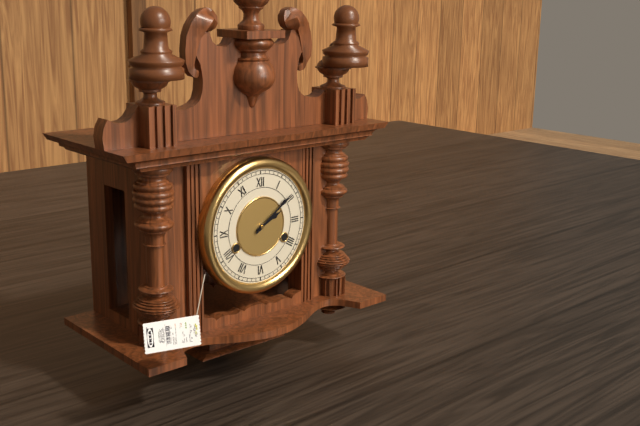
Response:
h=2 m=9
